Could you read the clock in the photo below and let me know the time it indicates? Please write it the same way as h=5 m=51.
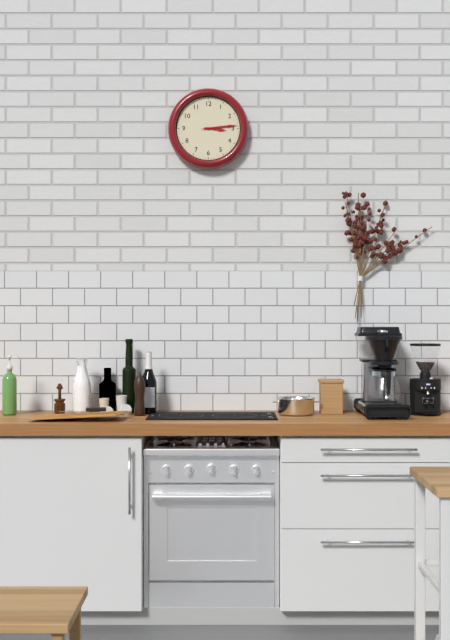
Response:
h=3 m=14
